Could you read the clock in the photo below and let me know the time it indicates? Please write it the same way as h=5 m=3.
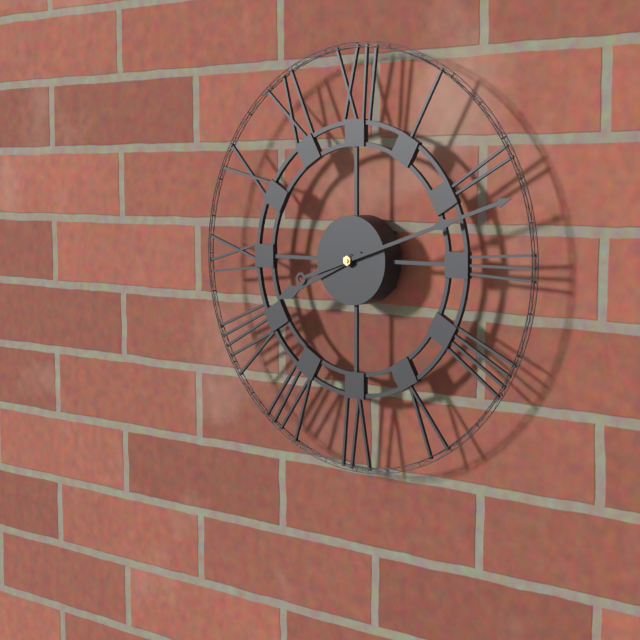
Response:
h=8 m=12
